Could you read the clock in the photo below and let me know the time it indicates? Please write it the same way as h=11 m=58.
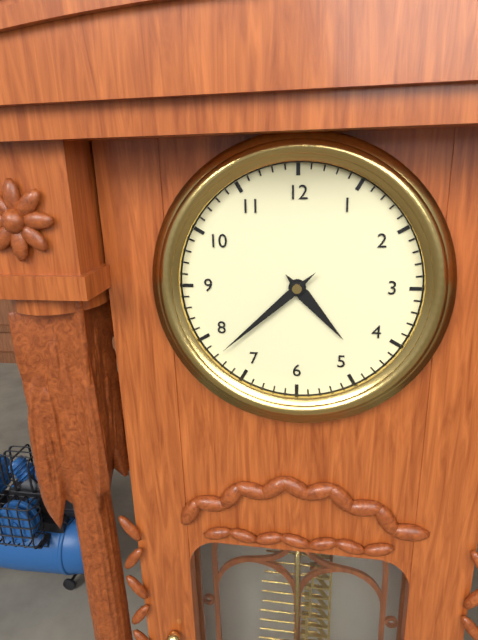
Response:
h=4 m=38
